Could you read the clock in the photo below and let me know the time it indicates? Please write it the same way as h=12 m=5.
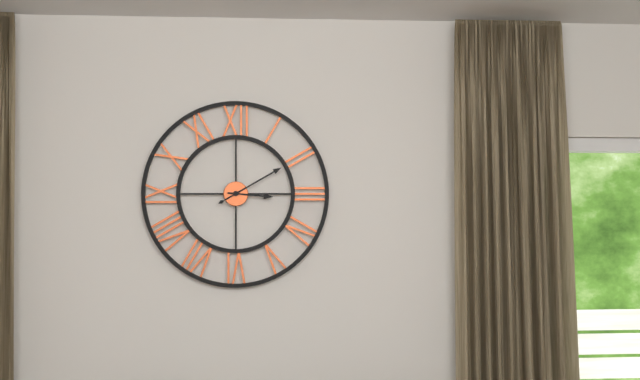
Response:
h=3 m=10
